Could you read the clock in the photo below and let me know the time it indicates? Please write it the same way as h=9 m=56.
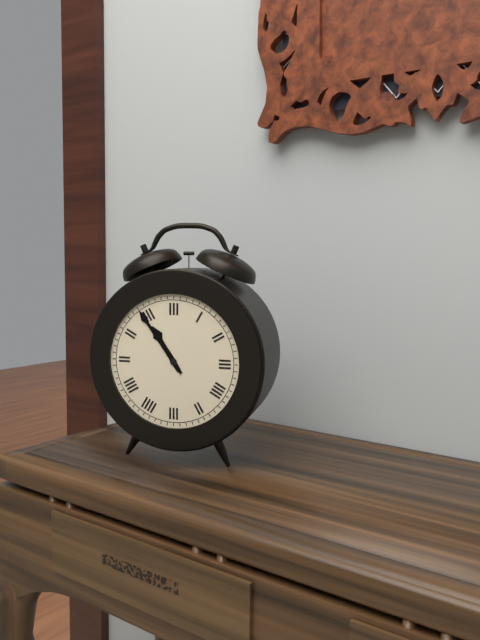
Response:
h=10 m=54
